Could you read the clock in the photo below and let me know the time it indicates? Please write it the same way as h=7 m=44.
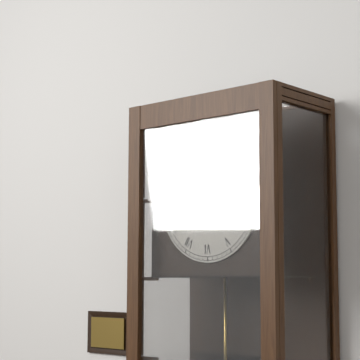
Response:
h=4 m=53
